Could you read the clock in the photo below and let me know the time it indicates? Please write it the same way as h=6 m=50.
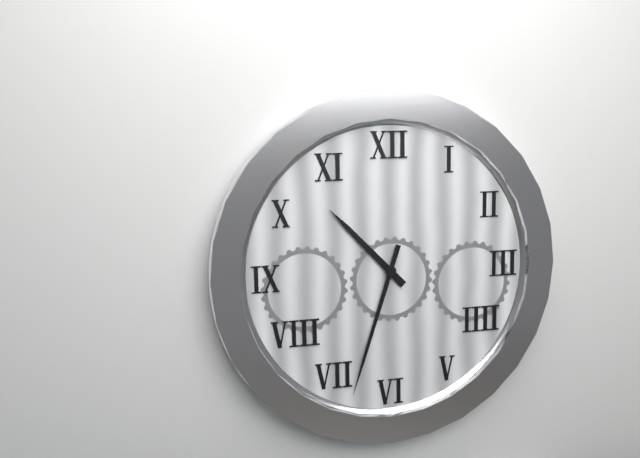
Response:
h=10 m=33
